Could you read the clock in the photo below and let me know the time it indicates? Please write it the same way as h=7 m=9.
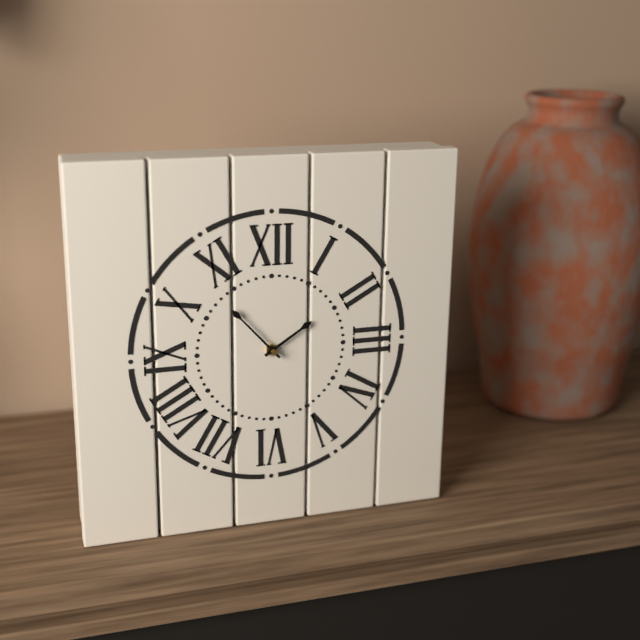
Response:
h=1 m=53
